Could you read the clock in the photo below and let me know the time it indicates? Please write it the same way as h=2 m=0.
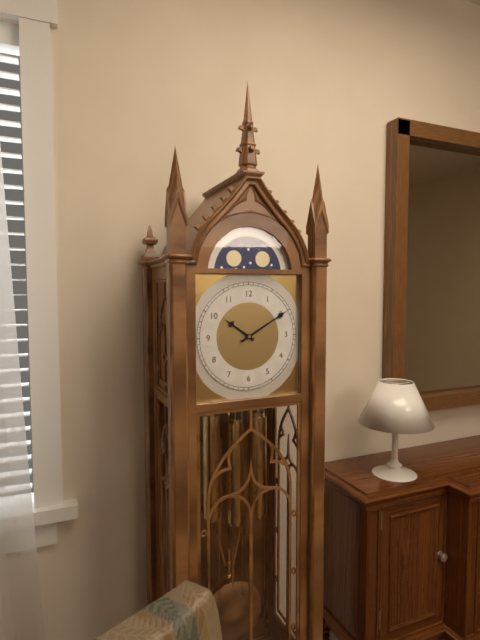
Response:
h=10 m=10
